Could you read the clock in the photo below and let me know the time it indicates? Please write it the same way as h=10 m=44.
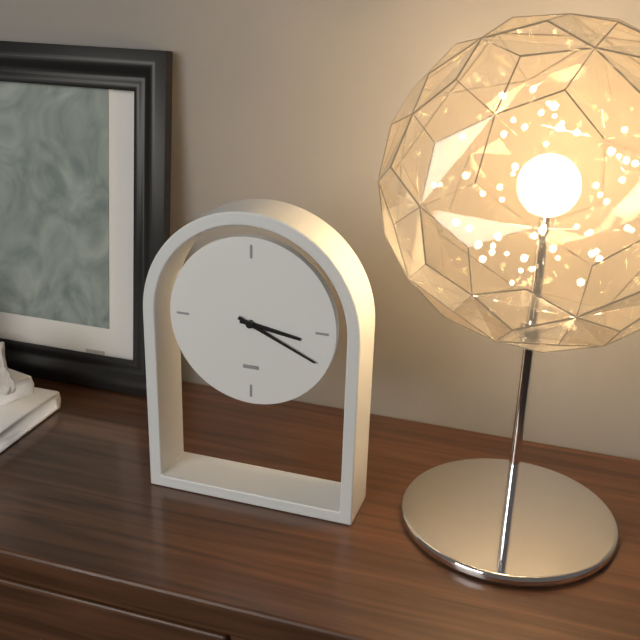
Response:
h=3 m=19
